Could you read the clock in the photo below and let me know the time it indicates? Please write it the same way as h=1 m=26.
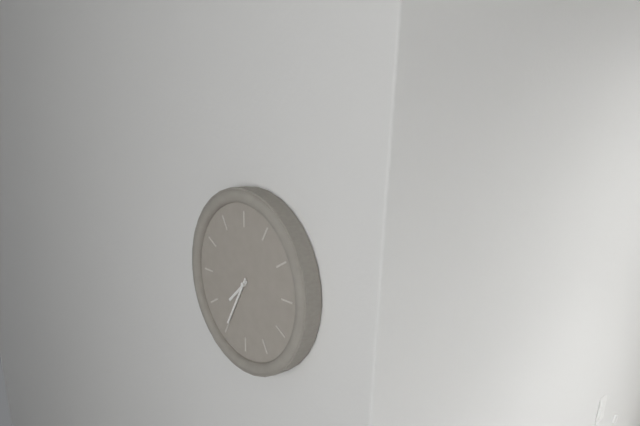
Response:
h=7 m=35
